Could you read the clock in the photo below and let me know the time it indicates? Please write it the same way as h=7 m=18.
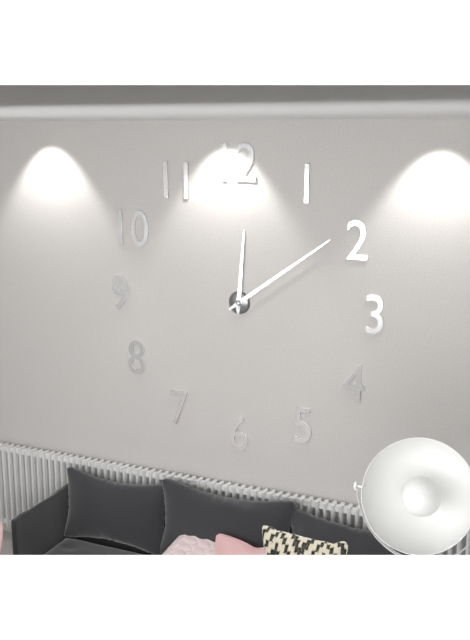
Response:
h=12 m=9
